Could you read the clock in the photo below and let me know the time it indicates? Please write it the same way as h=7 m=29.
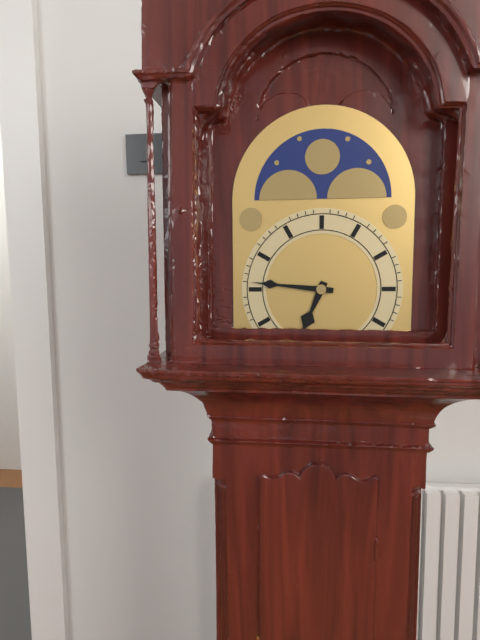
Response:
h=6 m=46
